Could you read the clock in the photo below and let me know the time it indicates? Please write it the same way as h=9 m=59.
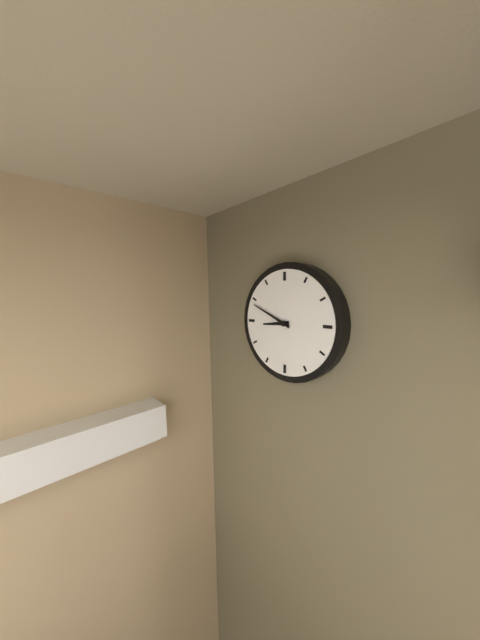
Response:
h=8 m=49
